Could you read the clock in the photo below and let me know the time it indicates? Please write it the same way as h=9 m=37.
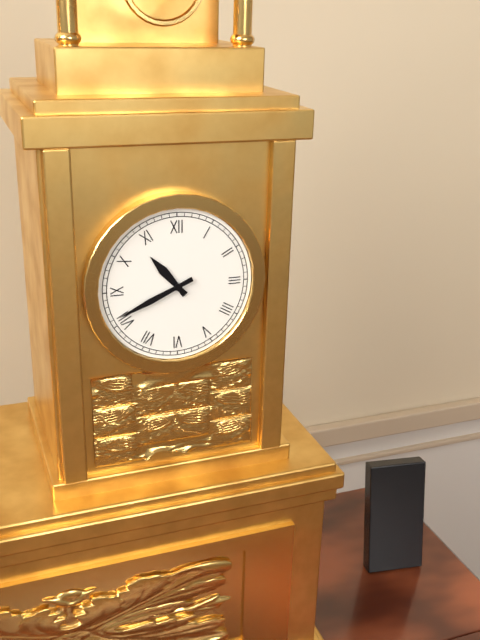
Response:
h=10 m=41
